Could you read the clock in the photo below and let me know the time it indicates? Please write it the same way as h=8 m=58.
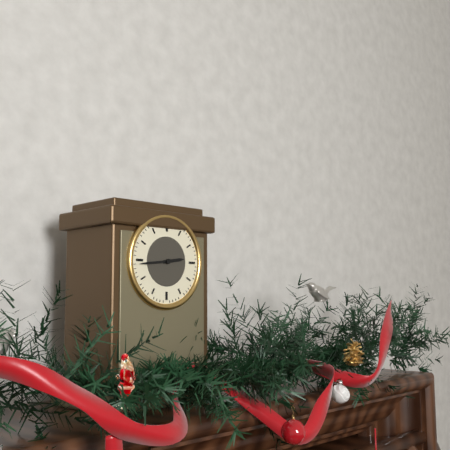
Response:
h=2 m=44
